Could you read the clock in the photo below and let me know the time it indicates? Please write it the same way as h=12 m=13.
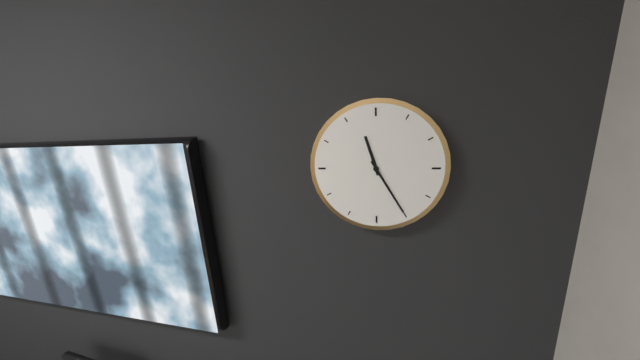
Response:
h=11 m=25
